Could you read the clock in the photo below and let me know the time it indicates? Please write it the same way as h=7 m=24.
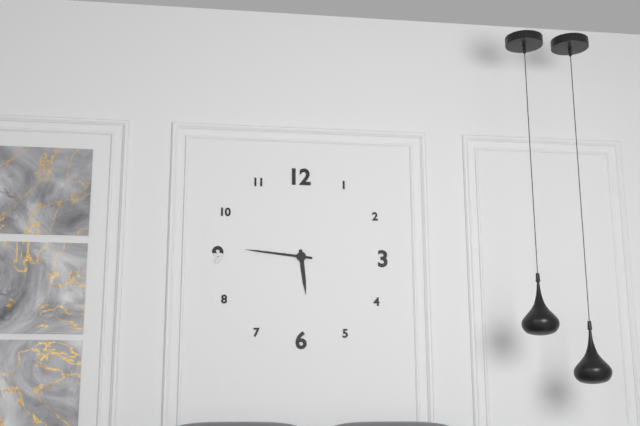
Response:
h=5 m=46
